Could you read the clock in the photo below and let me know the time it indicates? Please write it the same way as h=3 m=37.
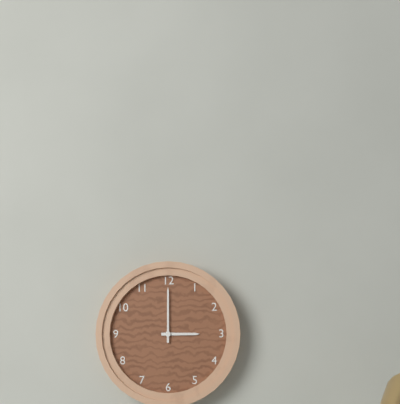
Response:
h=3 m=0
